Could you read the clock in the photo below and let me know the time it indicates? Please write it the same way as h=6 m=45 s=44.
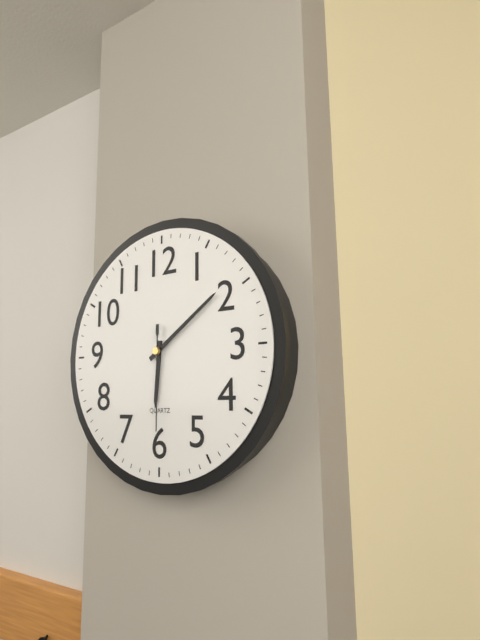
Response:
h=6 m=9 s=30
